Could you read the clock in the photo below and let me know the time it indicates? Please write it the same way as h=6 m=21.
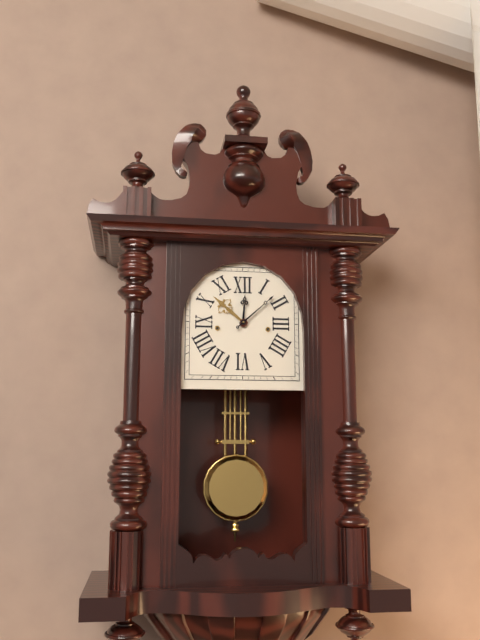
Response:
h=12 m=8
